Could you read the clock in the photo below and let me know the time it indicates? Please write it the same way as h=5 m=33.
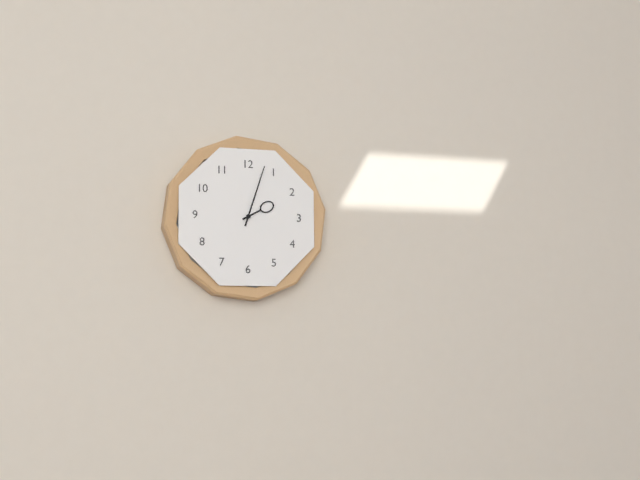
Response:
h=2 m=3
